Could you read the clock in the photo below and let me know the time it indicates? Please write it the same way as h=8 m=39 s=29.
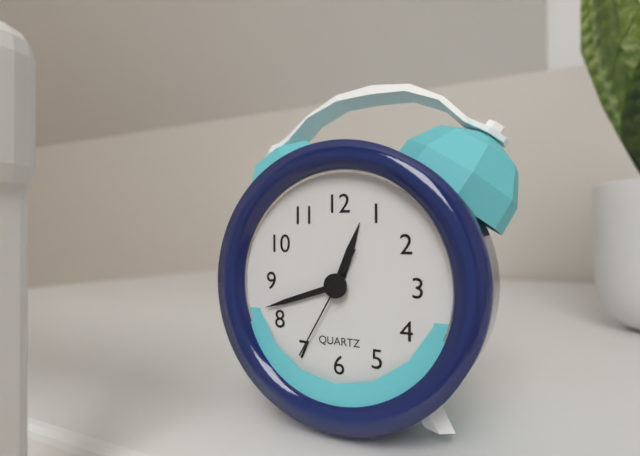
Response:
h=12 m=42 s=35
